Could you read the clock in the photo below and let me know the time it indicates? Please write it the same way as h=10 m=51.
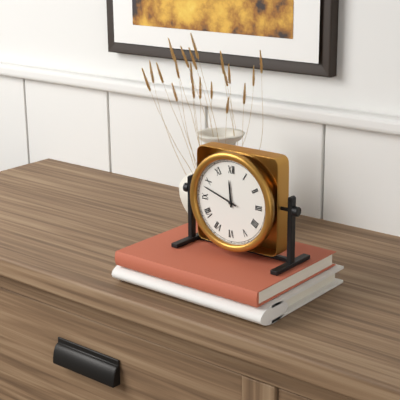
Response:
h=11 m=48
